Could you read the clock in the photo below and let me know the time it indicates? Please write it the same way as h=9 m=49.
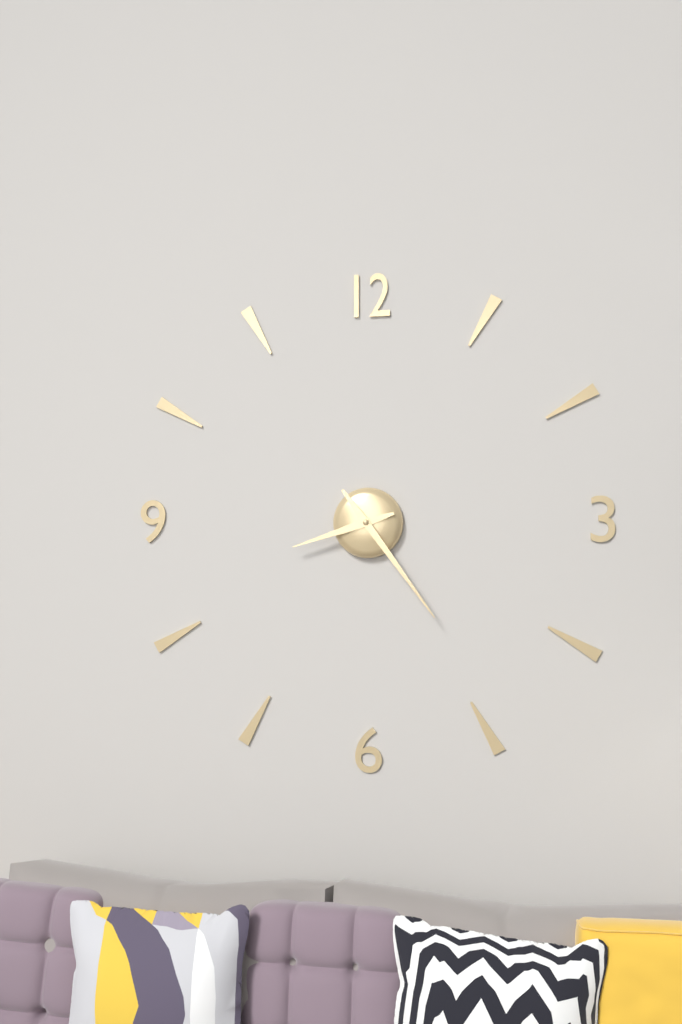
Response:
h=8 m=24
